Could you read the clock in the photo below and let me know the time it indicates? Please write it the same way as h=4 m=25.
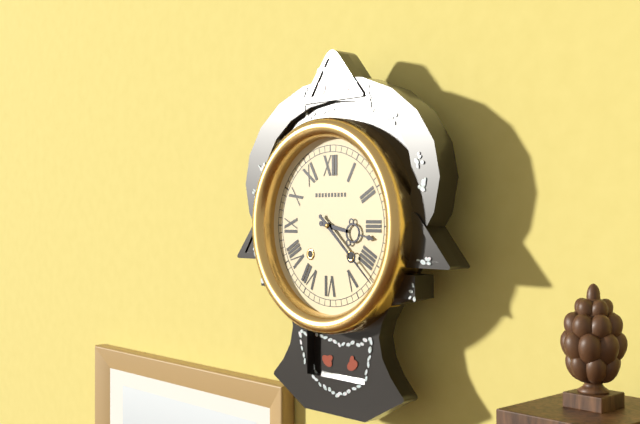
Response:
h=3 m=22
